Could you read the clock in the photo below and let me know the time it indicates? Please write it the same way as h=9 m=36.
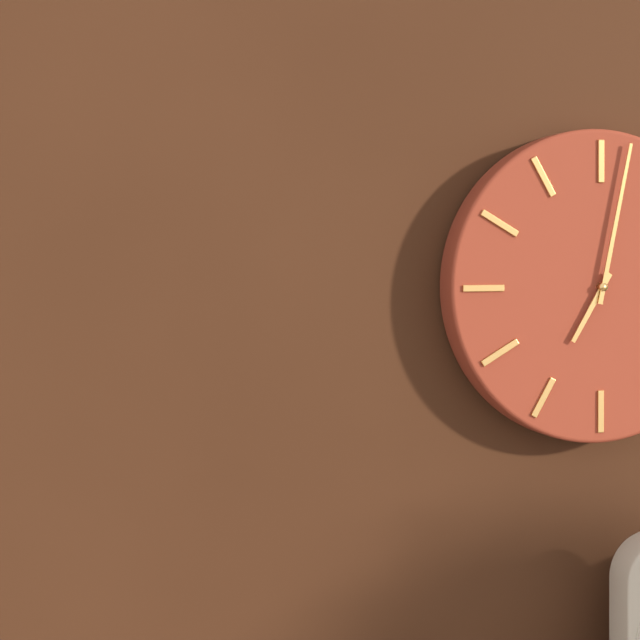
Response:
h=7 m=2
